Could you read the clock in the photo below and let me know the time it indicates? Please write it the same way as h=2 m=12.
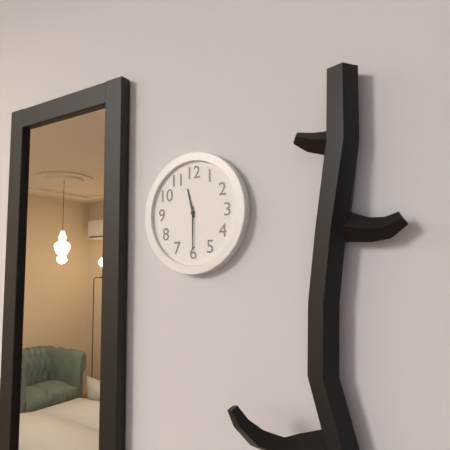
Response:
h=11 m=30
